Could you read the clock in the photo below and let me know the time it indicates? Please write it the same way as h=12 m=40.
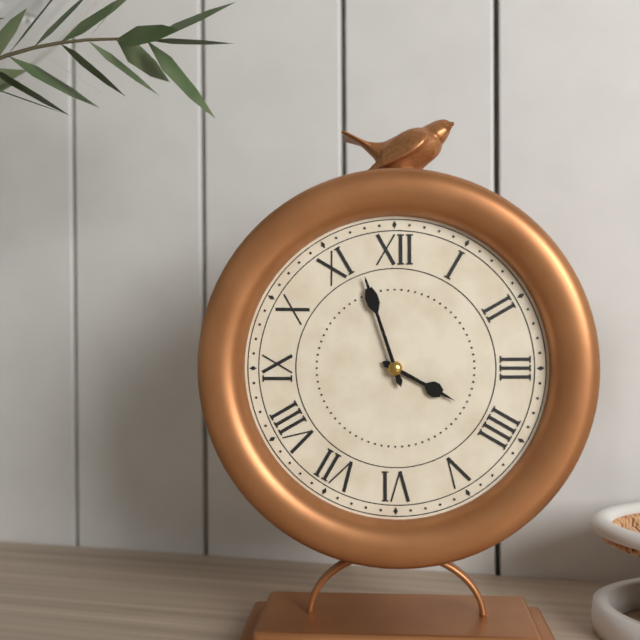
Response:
h=3 m=57
